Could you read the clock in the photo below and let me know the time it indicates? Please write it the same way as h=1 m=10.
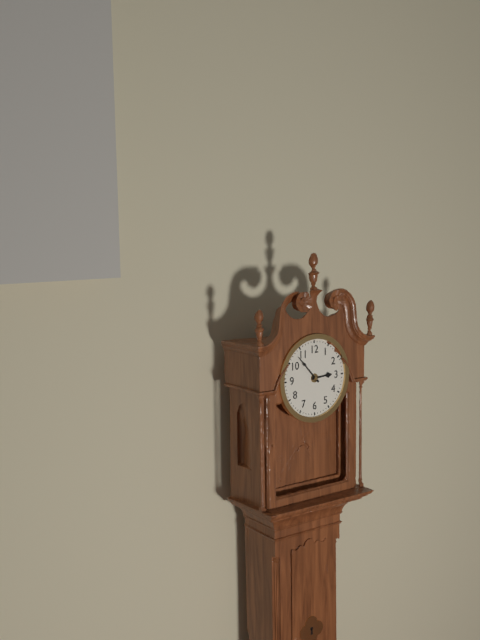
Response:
h=2 m=53
